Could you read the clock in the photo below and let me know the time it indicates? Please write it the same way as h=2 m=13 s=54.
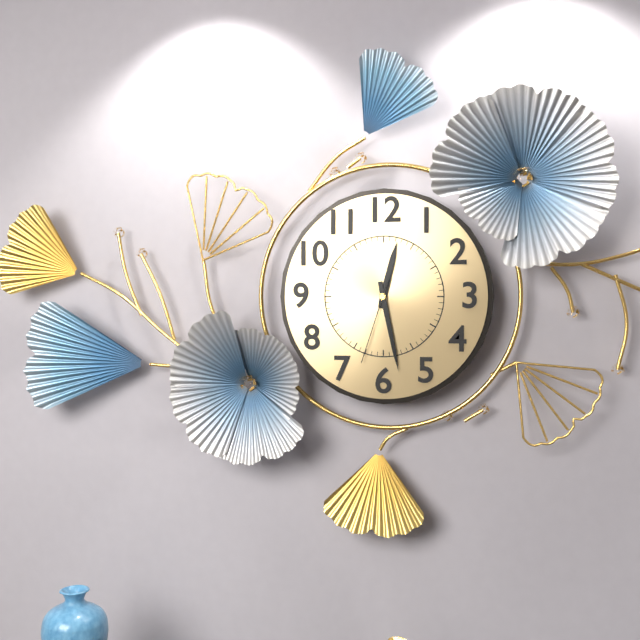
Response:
h=12 m=28 s=33
